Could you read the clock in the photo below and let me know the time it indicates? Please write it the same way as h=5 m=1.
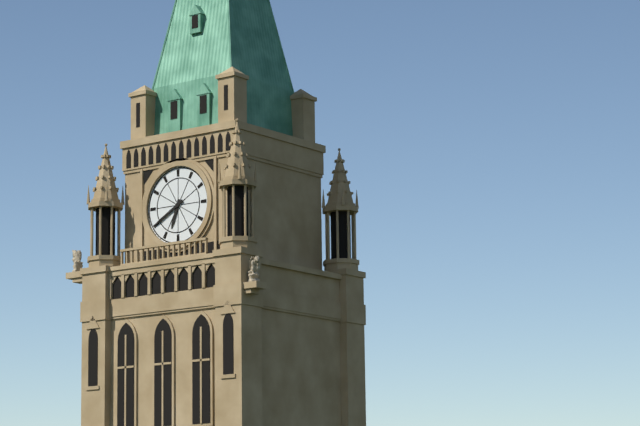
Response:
h=6 m=40
